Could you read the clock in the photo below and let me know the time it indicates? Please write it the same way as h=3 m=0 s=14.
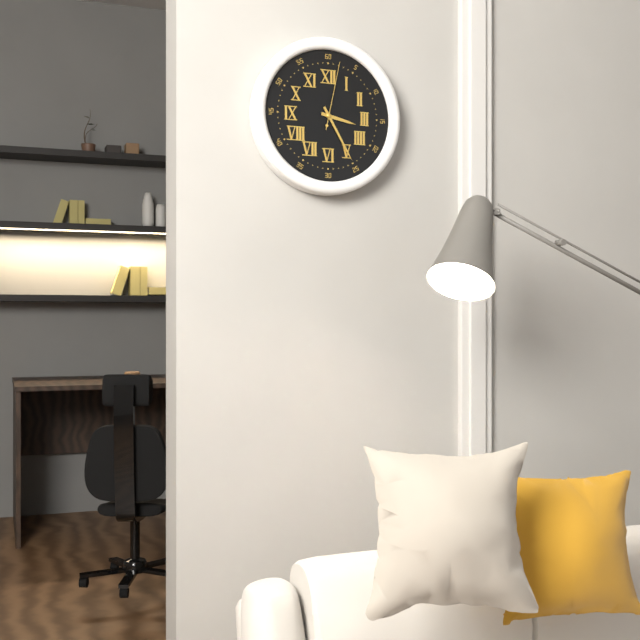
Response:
h=3 m=25 s=2
